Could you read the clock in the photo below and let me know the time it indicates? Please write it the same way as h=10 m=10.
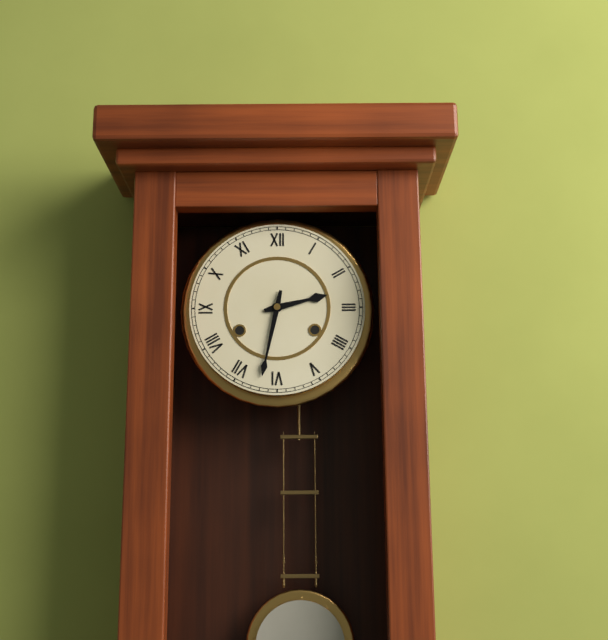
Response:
h=2 m=32
